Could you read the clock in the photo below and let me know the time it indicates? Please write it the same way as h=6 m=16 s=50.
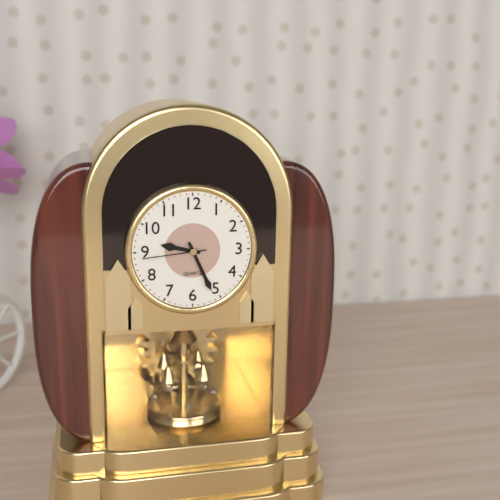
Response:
h=9 m=26 s=44
